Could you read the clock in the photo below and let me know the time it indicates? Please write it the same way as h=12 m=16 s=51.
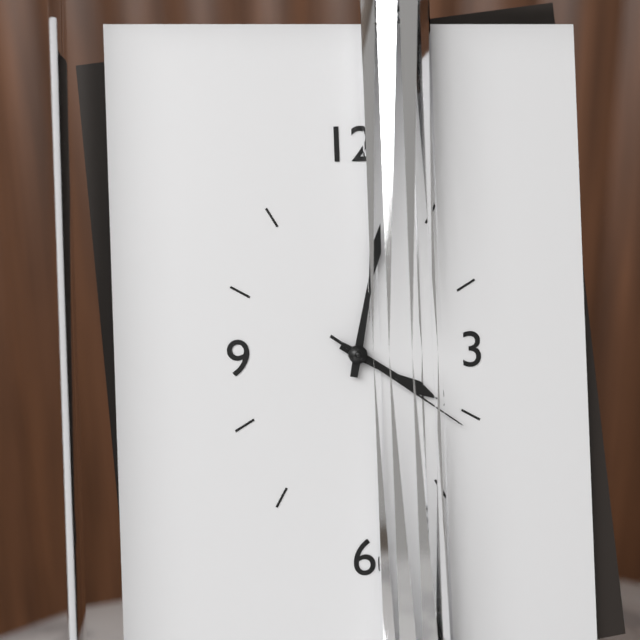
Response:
h=4 m=2 s=21
